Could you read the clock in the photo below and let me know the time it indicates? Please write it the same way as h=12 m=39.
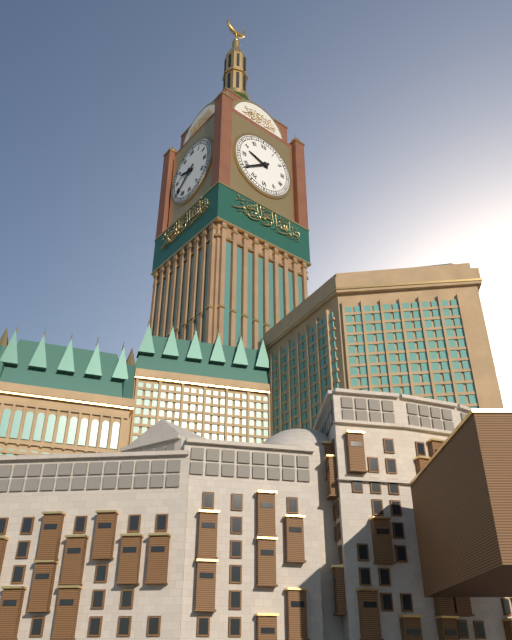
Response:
h=9 m=39
